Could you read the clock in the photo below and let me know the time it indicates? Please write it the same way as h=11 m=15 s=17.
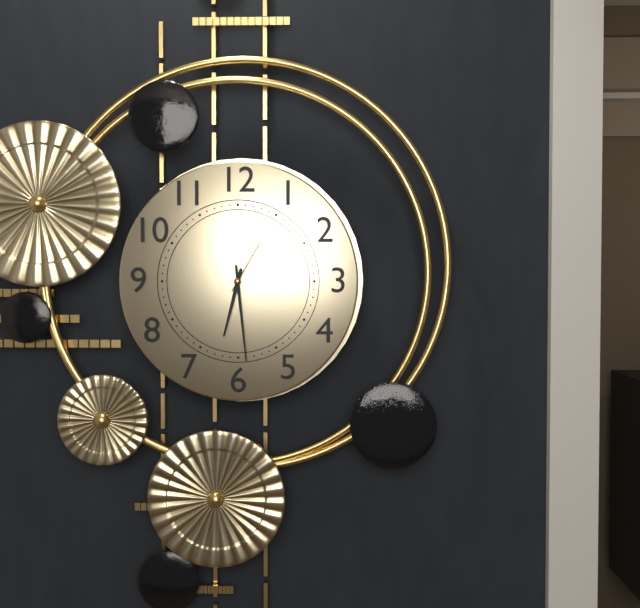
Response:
h=6 m=29 s=5
